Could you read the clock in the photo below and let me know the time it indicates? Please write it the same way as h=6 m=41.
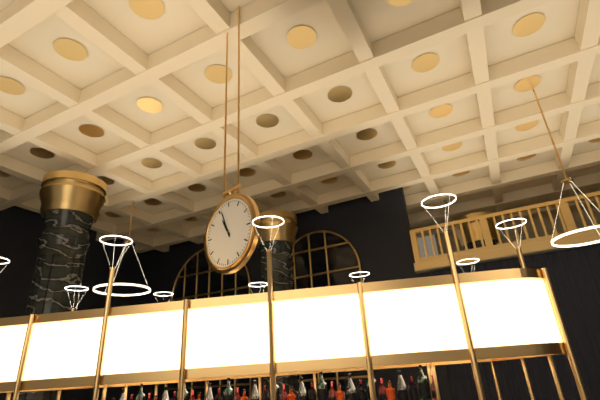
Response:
h=10 m=56
